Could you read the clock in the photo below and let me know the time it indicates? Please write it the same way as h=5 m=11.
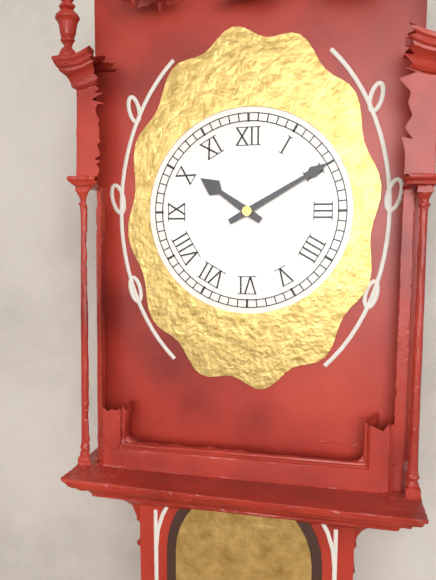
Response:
h=10 m=10
